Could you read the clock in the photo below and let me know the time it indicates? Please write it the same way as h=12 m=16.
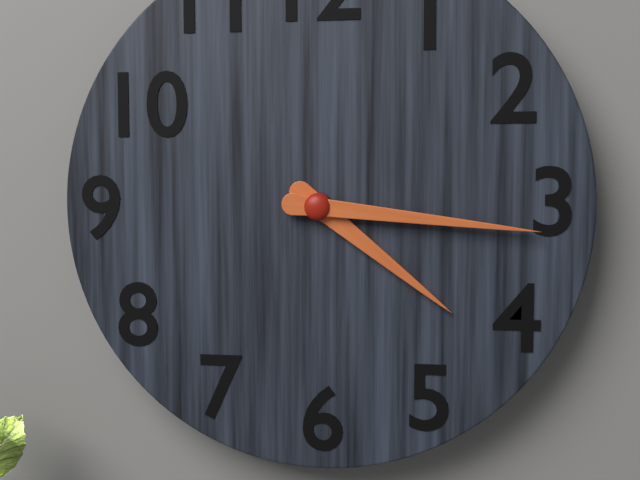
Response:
h=4 m=16
